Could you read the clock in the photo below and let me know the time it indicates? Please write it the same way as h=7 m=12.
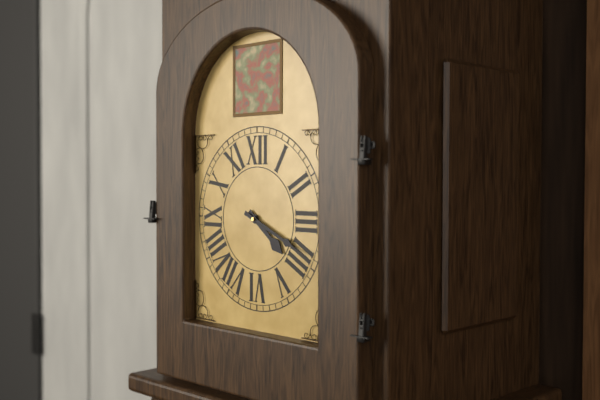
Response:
h=4 m=19
